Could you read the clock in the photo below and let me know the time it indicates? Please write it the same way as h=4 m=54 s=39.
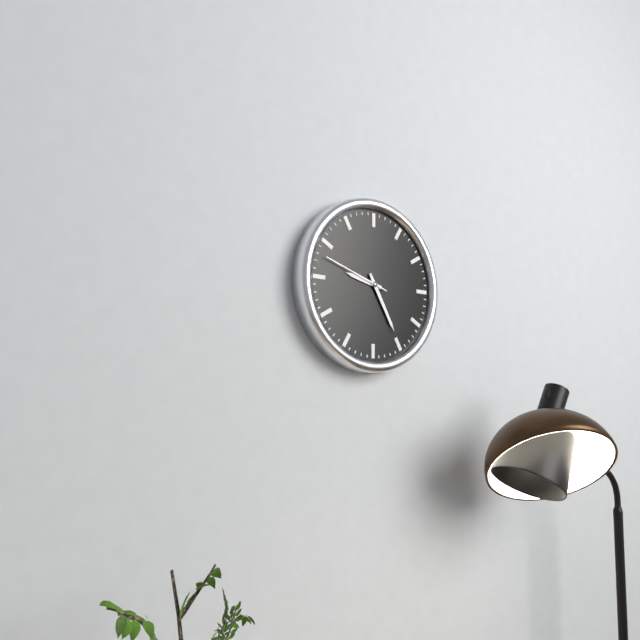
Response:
h=9 m=25 s=48
